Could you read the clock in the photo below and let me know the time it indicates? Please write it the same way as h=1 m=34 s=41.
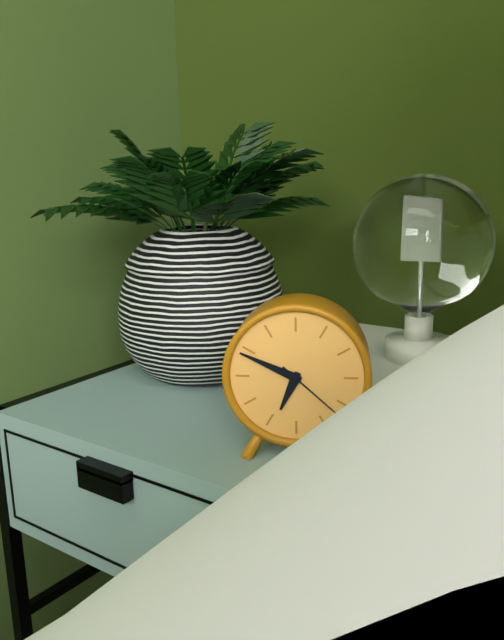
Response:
h=6 m=49 s=22
